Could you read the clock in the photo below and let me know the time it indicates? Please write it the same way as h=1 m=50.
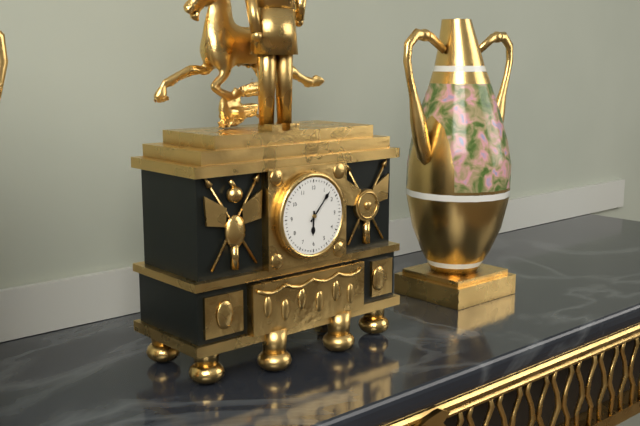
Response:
h=6 m=7
